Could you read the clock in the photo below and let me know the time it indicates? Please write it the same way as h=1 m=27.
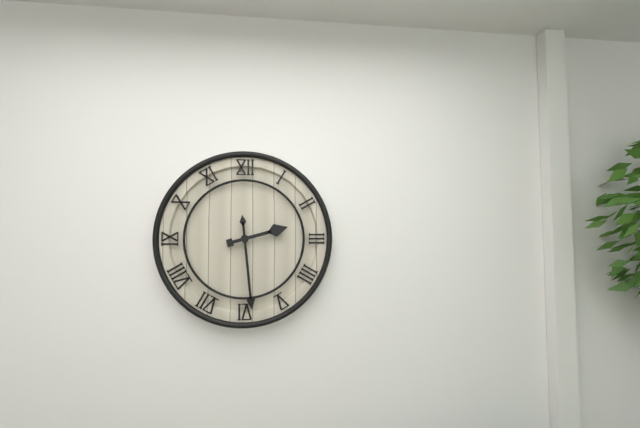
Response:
h=2 m=29
